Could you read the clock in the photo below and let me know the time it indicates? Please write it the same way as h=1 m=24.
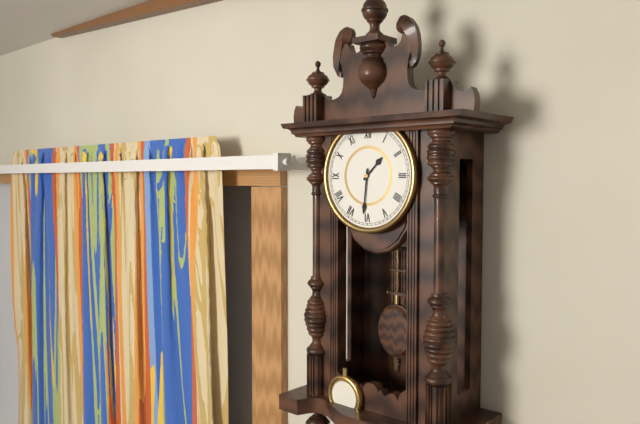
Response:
h=1 m=31
